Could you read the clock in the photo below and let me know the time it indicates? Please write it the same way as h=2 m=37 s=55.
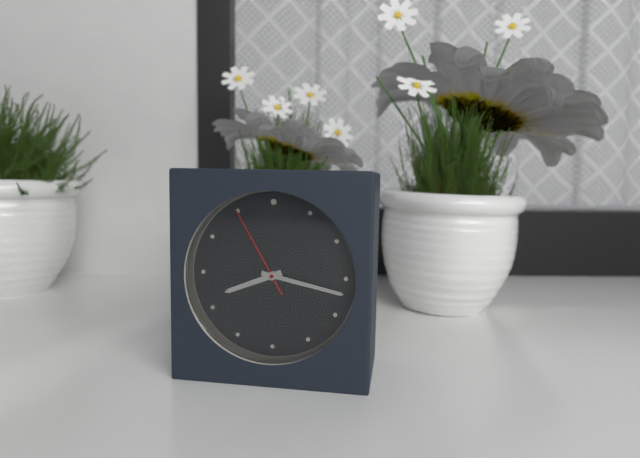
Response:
h=8 m=17 s=55
